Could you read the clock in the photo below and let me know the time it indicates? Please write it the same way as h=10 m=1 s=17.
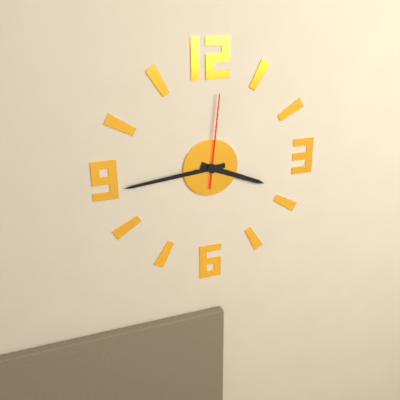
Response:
h=3 m=44 s=1
